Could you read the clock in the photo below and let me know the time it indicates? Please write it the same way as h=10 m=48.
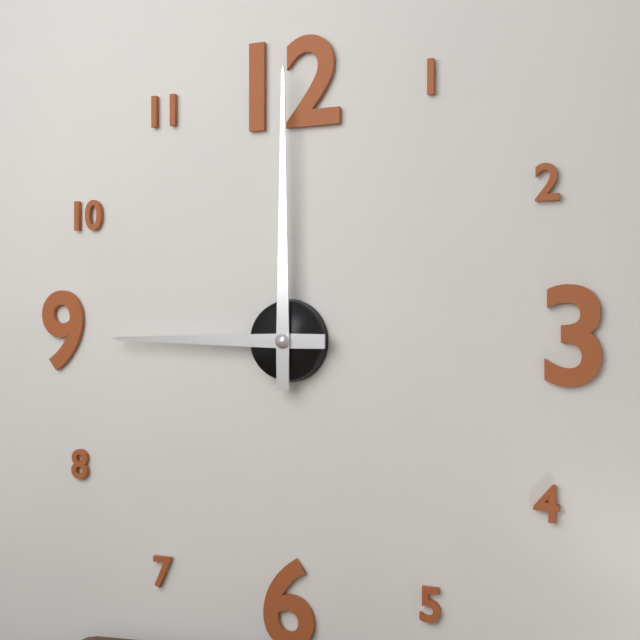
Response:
h=9 m=0
